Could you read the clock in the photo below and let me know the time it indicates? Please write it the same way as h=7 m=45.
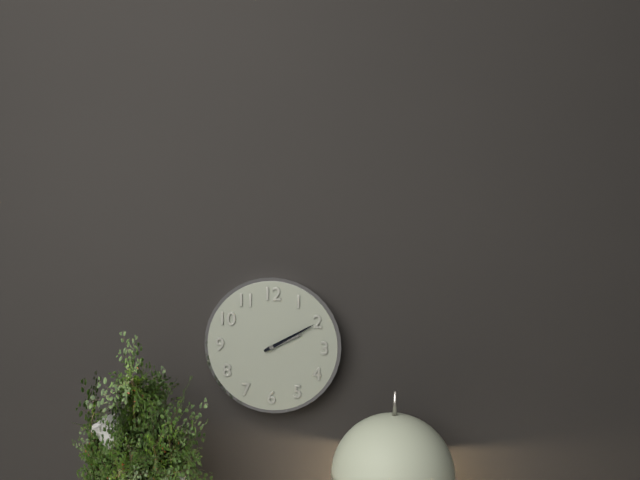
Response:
h=2 m=10
